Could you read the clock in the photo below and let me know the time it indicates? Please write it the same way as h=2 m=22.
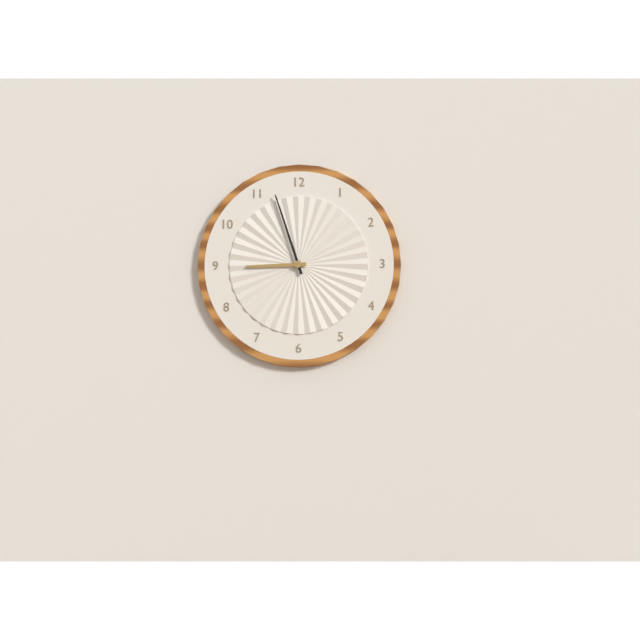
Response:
h=8 m=57
